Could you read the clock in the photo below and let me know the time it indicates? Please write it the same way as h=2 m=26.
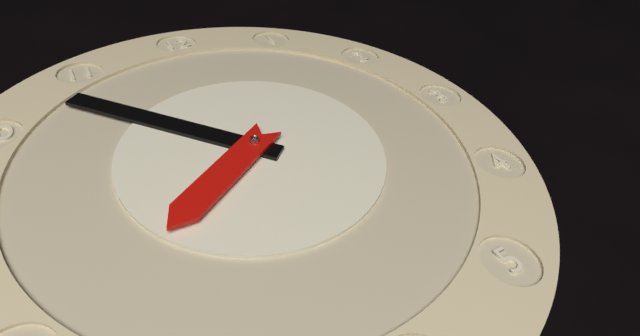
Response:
h=7 m=53
